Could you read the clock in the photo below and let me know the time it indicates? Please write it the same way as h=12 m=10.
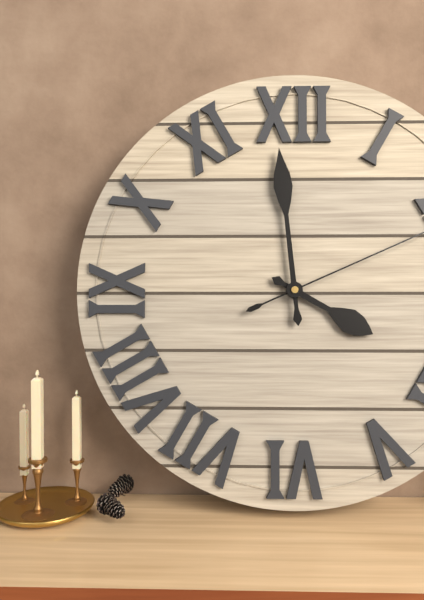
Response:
h=3 m=59
